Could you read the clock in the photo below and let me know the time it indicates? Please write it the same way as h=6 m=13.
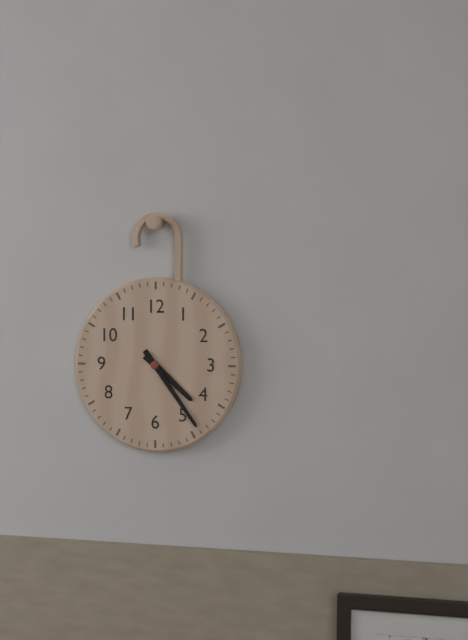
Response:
h=4 m=24
